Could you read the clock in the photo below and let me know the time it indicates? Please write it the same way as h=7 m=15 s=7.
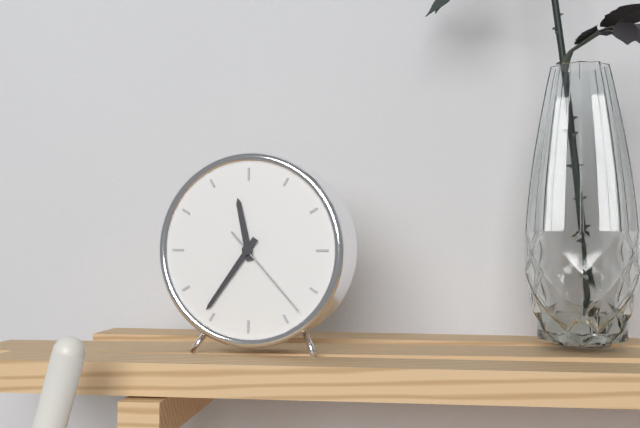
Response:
h=11 m=36 s=23
